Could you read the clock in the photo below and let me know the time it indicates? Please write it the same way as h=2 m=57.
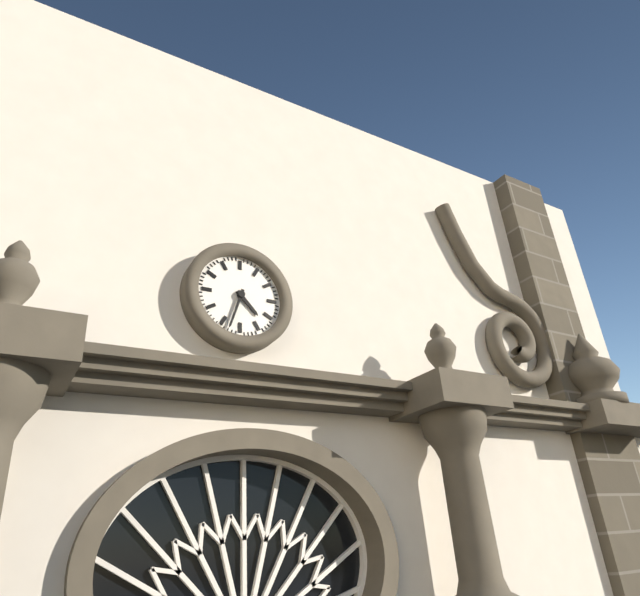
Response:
h=4 m=33
